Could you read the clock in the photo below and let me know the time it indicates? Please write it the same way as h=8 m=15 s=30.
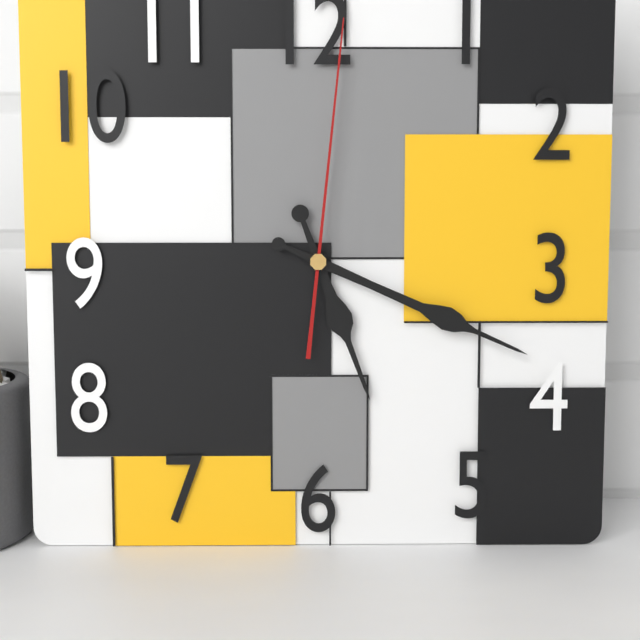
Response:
h=5 m=19 s=1
